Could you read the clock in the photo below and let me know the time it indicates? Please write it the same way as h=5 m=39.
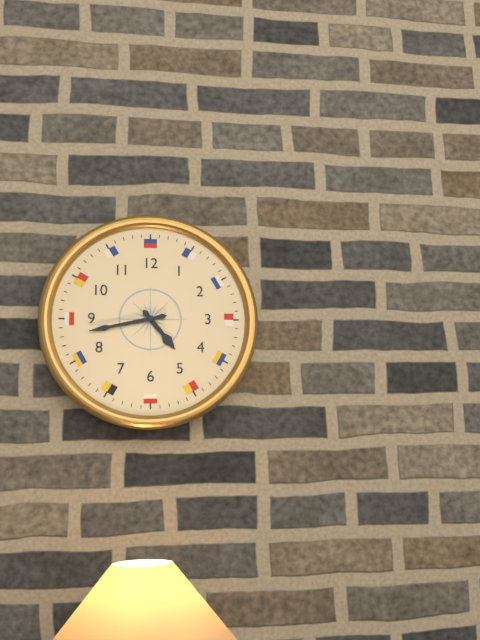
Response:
h=4 m=43
